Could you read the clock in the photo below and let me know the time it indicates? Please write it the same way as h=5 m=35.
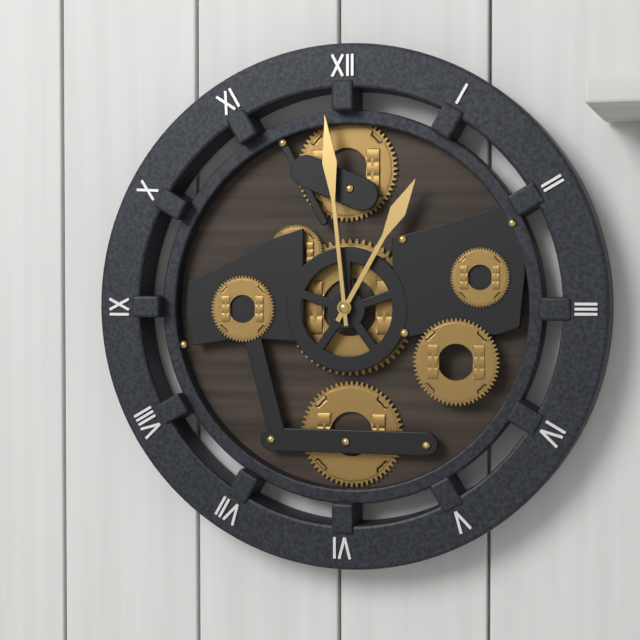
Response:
h=12 m=59
